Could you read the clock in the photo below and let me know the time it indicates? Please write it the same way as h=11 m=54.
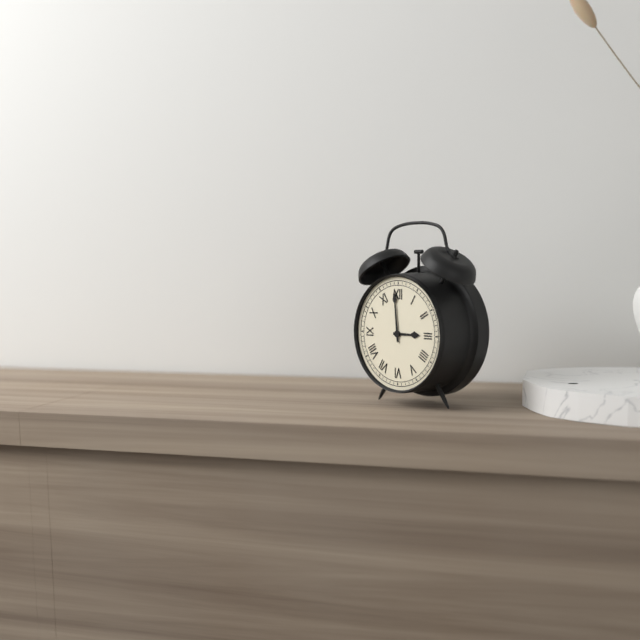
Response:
h=2 m=59
